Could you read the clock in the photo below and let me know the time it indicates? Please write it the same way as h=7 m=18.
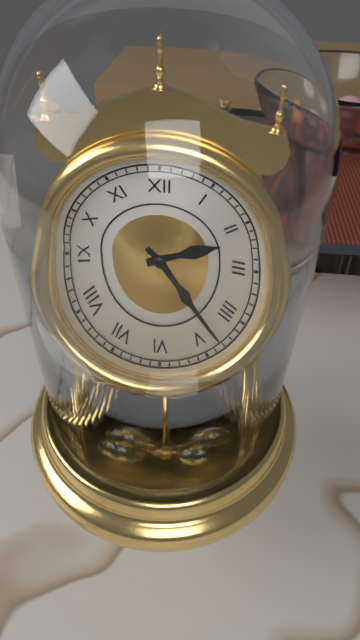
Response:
h=2 m=23
